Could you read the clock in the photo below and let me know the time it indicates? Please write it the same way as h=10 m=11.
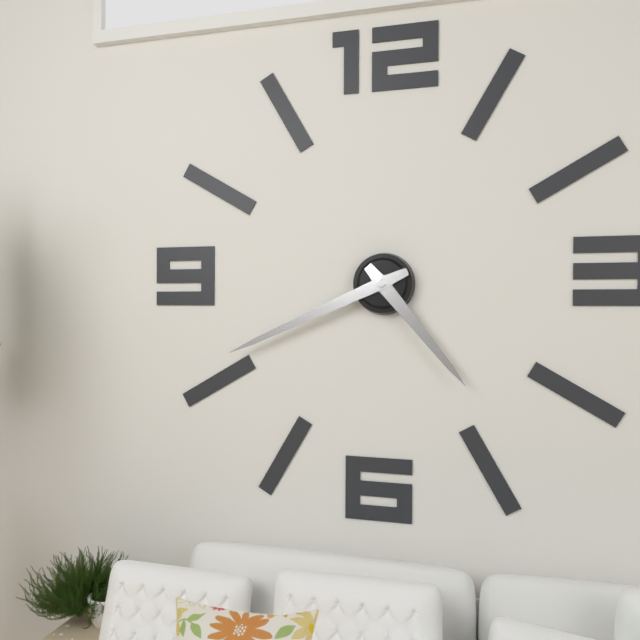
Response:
h=4 m=41
